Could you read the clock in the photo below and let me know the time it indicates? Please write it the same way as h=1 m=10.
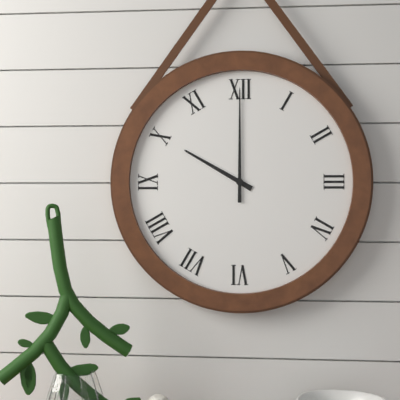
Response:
h=10 m=0
